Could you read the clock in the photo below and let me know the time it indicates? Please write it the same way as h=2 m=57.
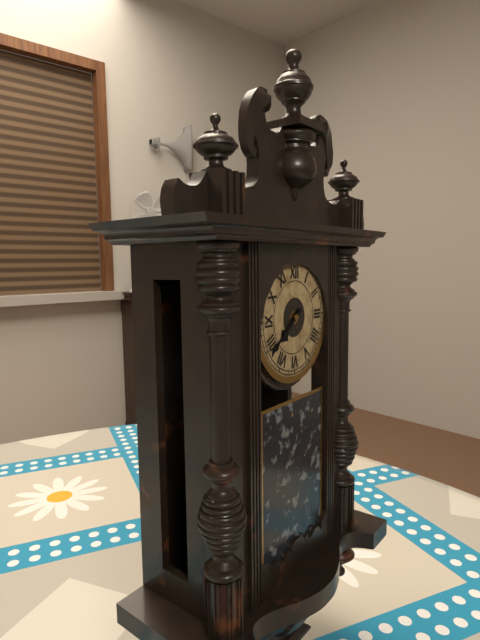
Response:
h=7 m=39
